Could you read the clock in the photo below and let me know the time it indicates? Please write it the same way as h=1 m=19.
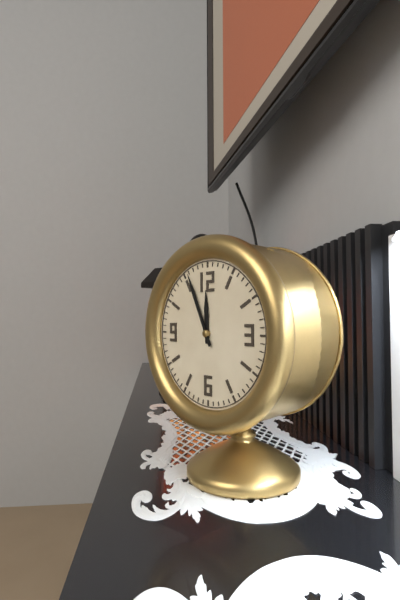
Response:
h=11 m=56
